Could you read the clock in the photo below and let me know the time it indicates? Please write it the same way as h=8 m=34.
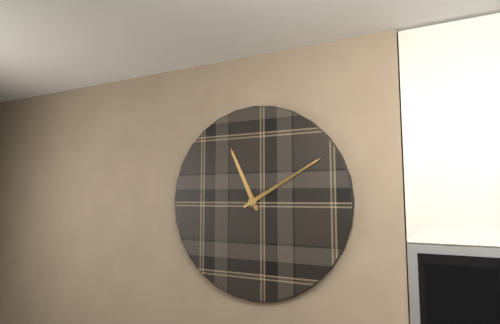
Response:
h=11 m=10
